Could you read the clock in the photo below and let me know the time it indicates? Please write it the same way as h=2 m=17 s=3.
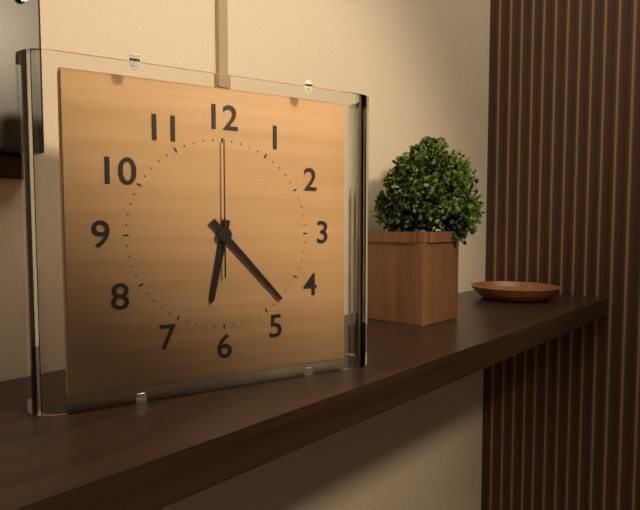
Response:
h=6 m=23 s=0
